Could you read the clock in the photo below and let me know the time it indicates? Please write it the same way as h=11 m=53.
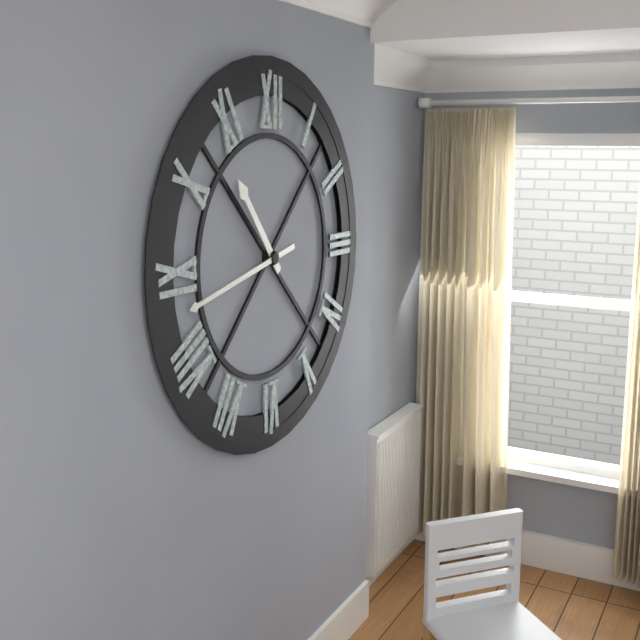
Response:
h=10 m=43
